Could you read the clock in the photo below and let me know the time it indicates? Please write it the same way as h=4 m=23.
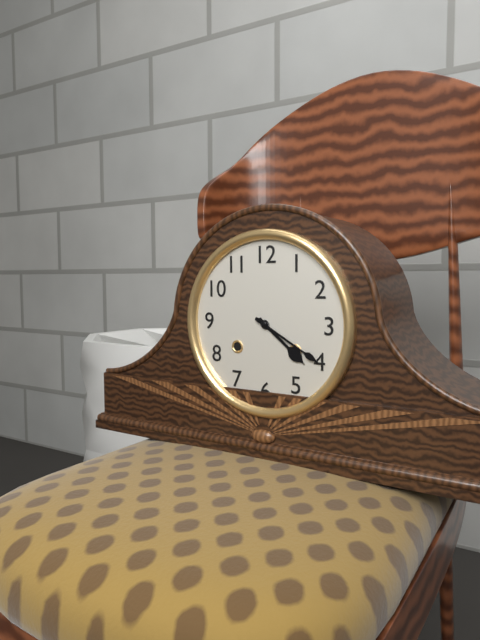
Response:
h=4 m=20
